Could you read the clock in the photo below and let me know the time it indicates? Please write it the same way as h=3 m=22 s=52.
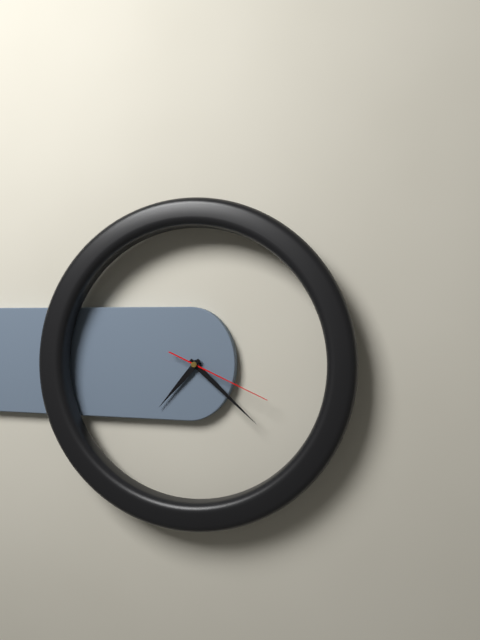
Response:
h=7 m=22 s=19
